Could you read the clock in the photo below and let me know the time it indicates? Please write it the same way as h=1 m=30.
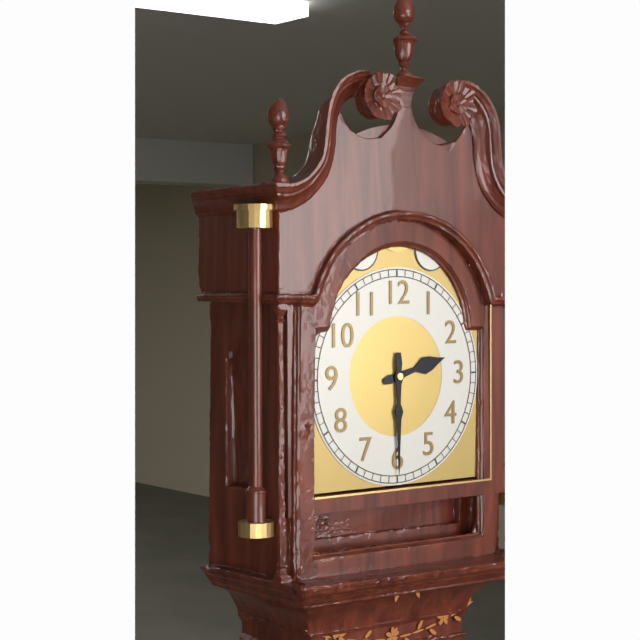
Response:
h=2 m=30
